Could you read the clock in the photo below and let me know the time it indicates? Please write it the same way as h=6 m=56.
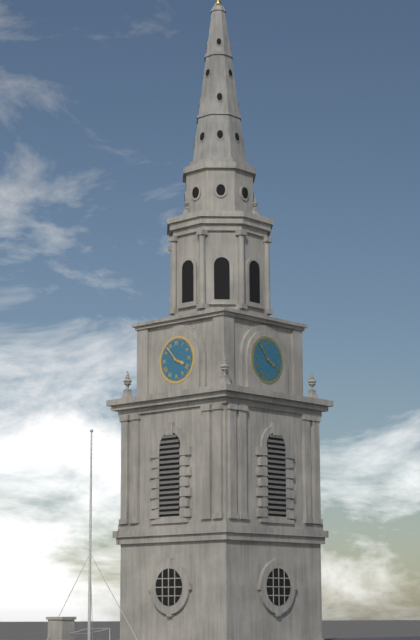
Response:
h=3 m=53
